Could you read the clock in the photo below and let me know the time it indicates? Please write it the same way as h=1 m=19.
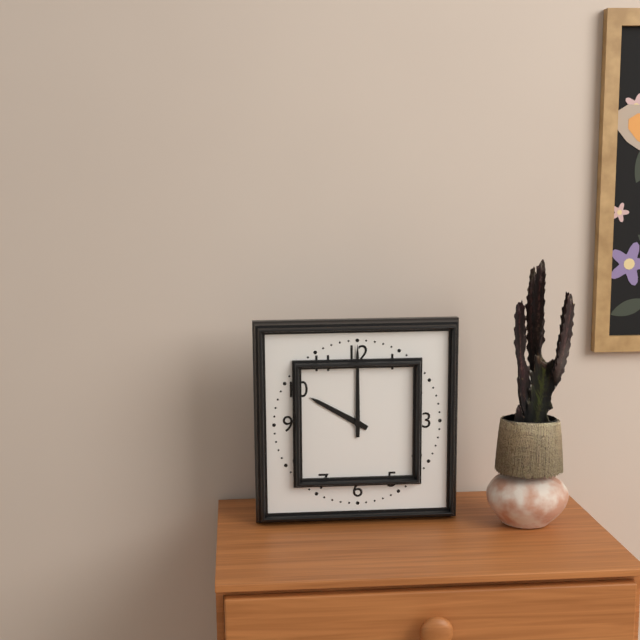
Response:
h=10 m=0
